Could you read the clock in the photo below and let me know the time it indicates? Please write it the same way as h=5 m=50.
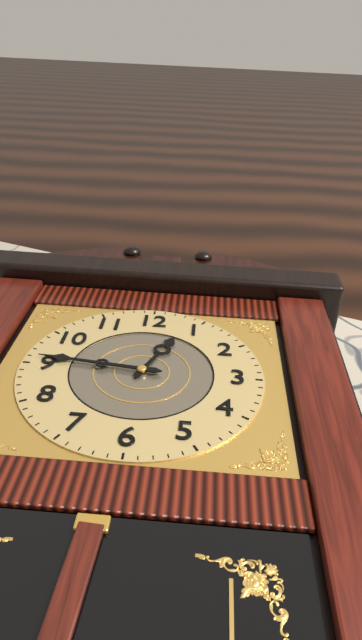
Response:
h=12 m=46
